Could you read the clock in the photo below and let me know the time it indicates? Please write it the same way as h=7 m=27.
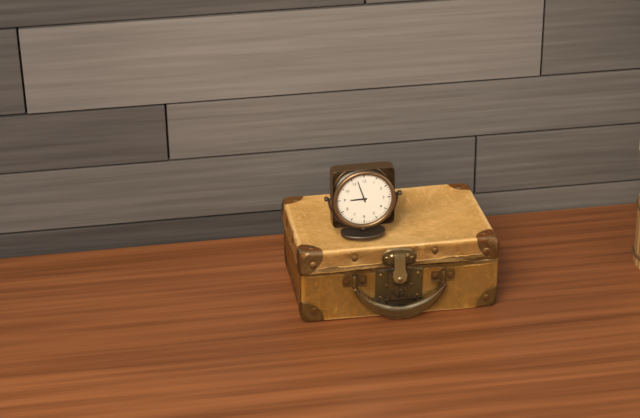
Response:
h=8 m=57
